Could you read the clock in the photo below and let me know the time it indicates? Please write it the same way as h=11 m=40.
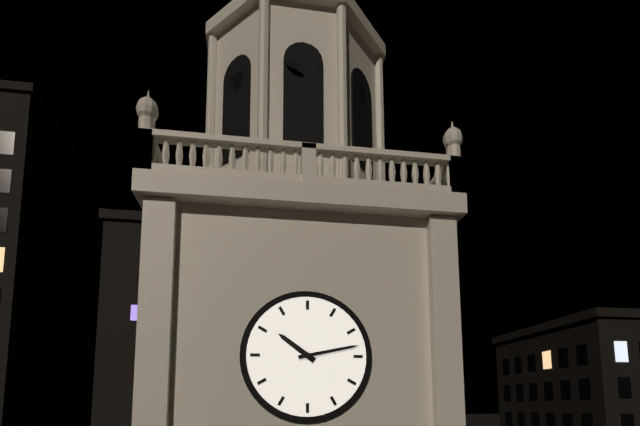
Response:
h=10 m=13
